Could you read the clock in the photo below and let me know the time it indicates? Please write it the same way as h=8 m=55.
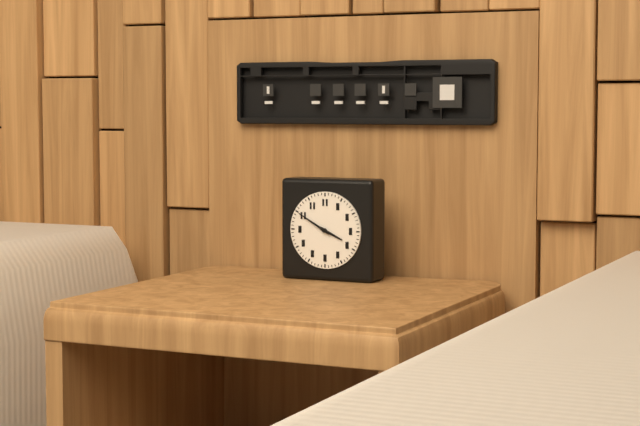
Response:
h=3 m=50
